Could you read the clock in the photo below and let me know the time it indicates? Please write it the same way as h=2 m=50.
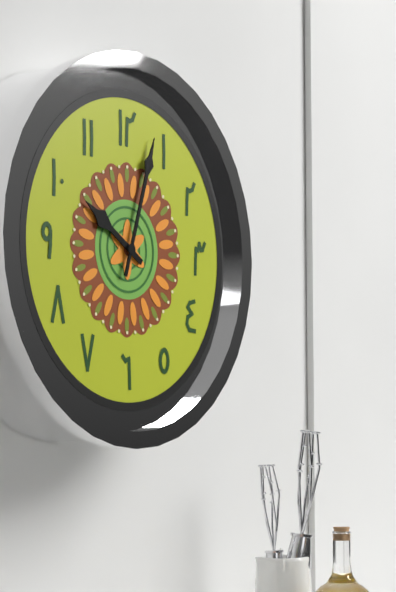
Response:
h=10 m=3
